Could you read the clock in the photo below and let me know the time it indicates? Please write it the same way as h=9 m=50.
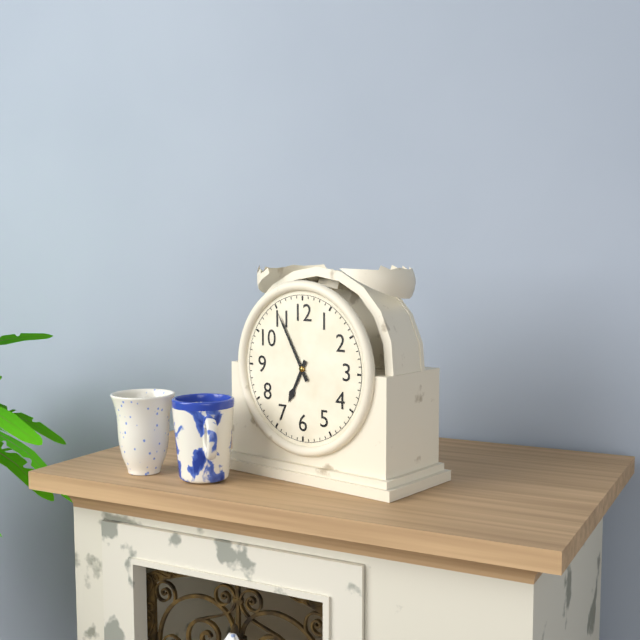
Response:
h=6 m=55
